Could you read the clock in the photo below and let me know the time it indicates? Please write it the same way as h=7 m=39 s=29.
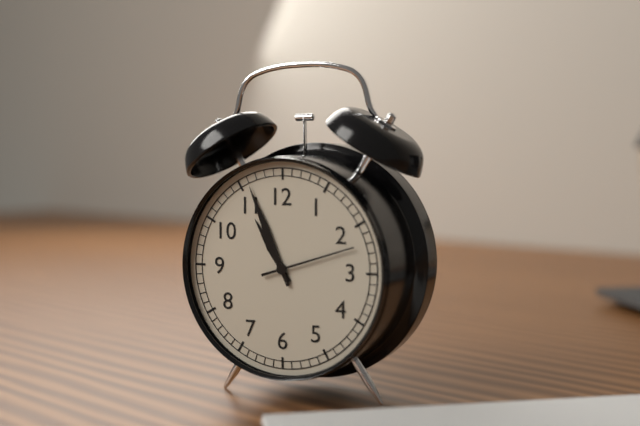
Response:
h=10 m=56 s=12
